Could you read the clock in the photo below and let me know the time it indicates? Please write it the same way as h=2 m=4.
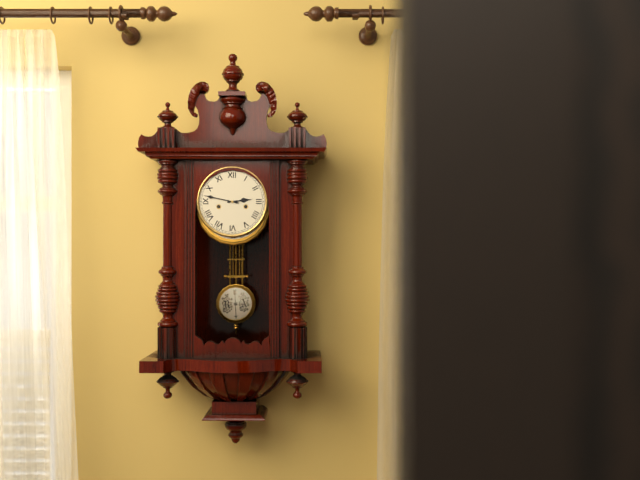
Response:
h=2 m=47
